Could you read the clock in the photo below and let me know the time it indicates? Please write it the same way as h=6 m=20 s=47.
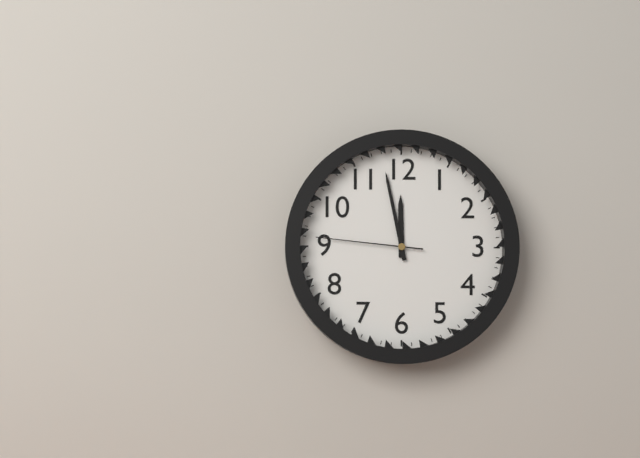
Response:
h=11 m=58 s=46
